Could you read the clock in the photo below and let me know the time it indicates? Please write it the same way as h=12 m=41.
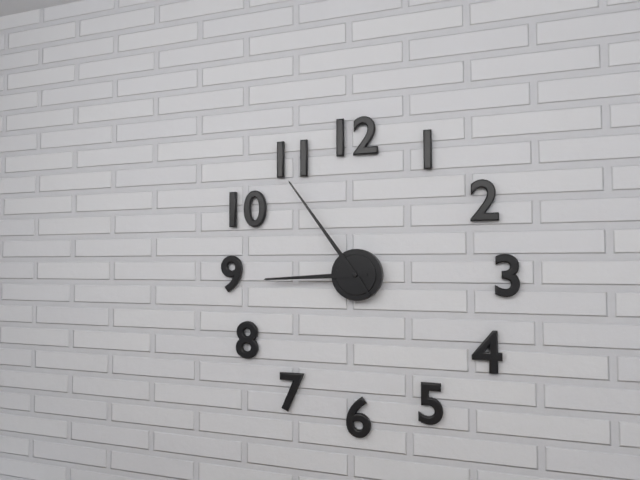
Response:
h=8 m=54
